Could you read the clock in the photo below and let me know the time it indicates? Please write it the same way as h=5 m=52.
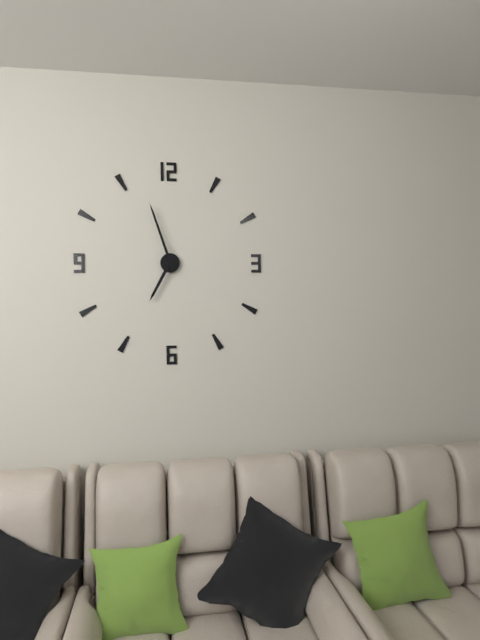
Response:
h=6 m=57
